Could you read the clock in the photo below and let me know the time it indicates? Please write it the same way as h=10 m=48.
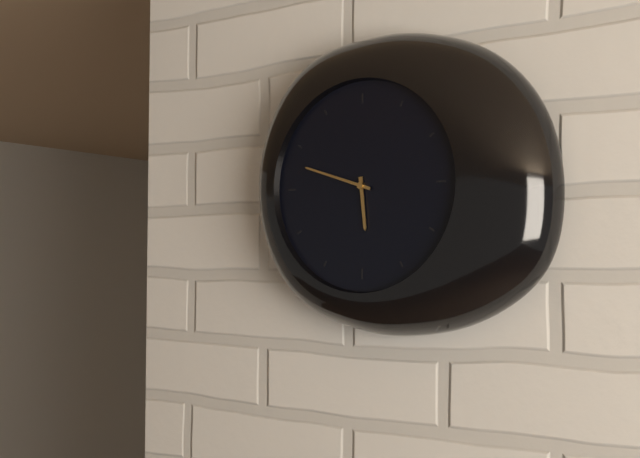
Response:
h=5 m=48
